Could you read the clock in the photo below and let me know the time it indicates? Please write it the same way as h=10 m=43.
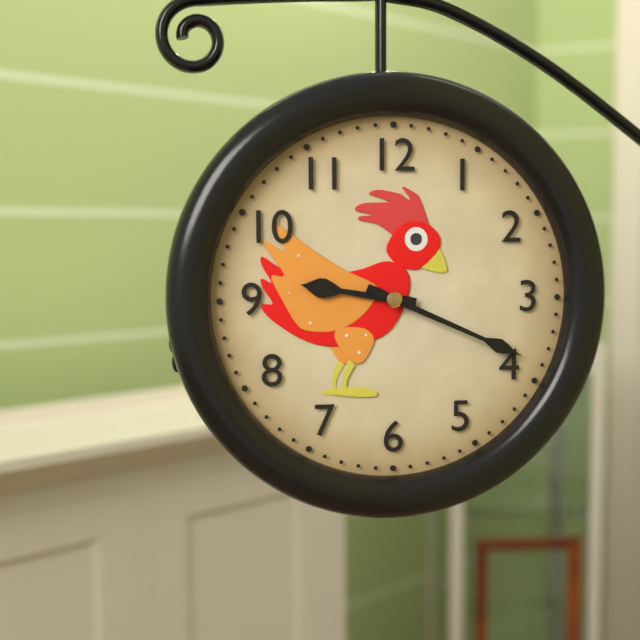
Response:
h=9 m=19
